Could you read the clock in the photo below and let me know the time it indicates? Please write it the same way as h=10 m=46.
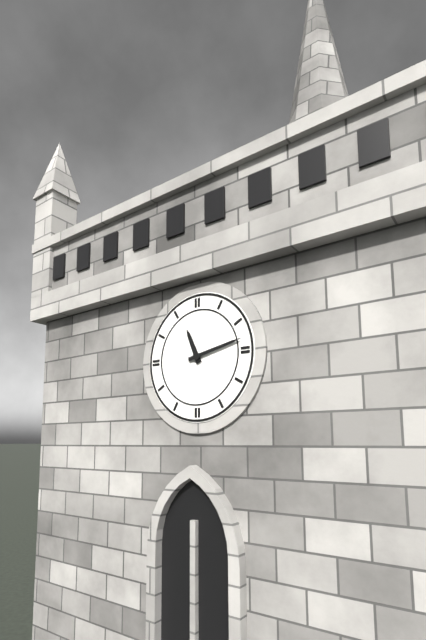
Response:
h=11 m=13
